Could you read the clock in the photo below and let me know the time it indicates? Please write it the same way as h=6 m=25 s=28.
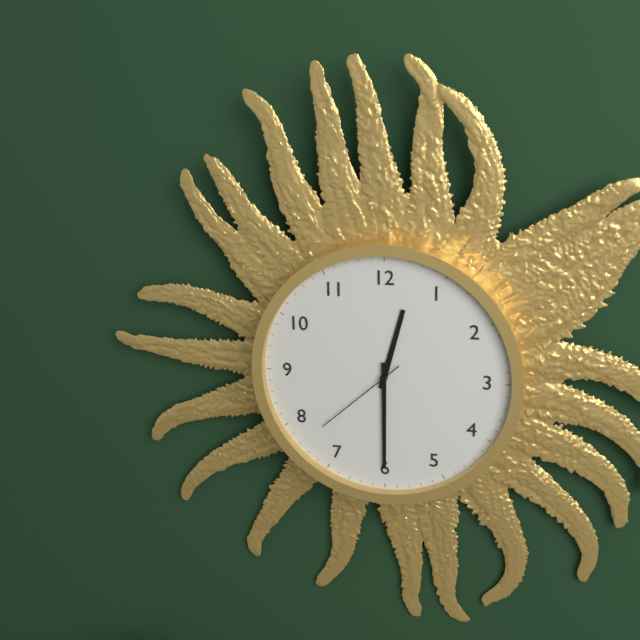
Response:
h=12 m=30 s=38
